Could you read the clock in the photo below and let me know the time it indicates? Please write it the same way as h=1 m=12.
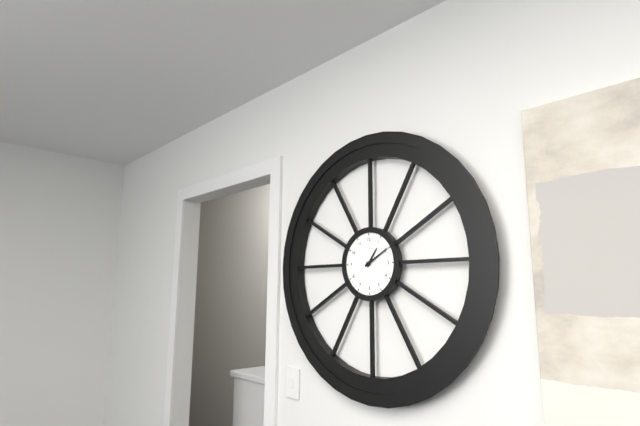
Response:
h=1 m=10
